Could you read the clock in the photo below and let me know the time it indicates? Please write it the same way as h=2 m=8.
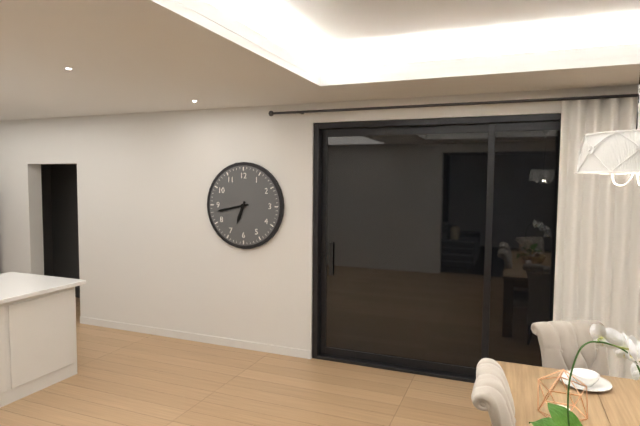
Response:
h=6 m=43
